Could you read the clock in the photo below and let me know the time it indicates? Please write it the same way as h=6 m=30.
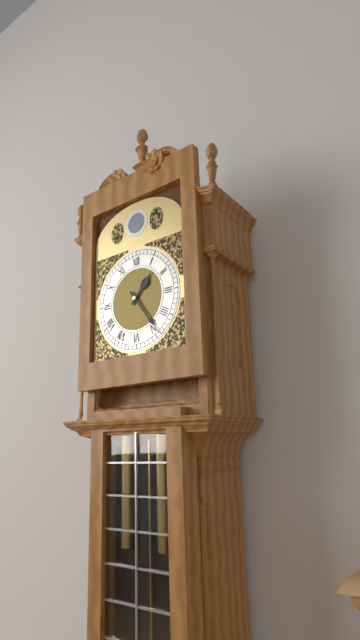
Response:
h=1 m=24
